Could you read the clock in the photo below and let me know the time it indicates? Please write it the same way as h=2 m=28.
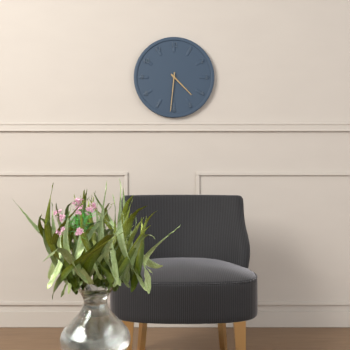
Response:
h=4 m=31
